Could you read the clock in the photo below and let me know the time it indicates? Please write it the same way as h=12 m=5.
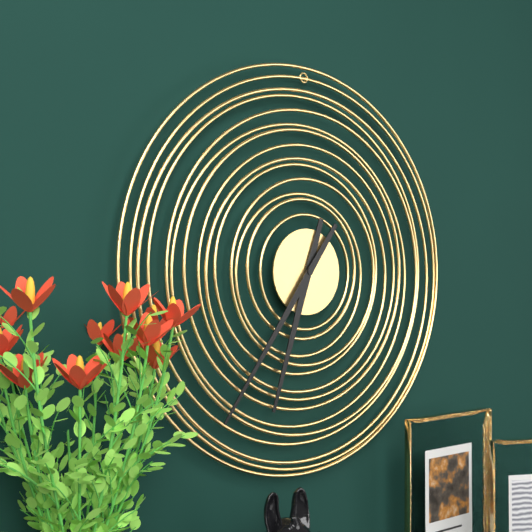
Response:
h=6 m=36
